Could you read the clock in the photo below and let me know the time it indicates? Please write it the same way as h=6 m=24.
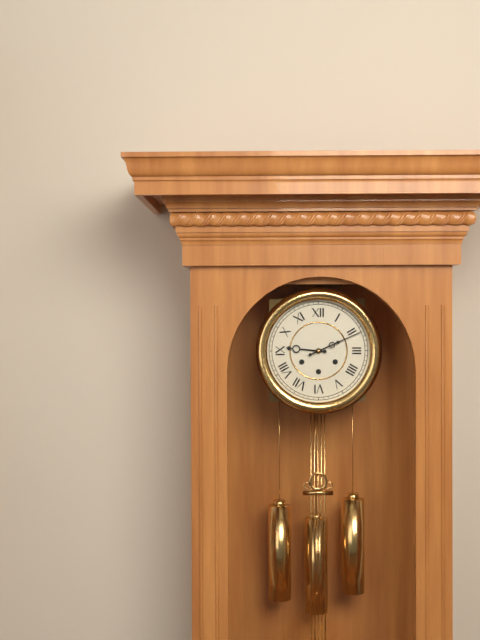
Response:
h=9 m=11
